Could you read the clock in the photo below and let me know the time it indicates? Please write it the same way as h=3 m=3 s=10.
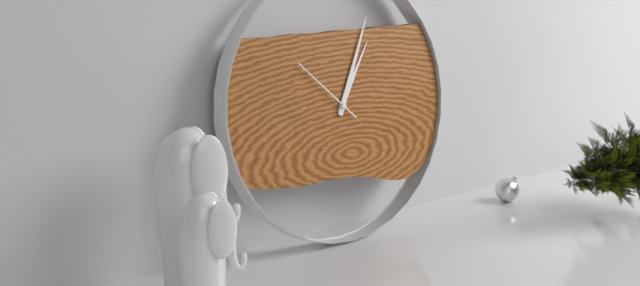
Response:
h=1 m=4 s=52
